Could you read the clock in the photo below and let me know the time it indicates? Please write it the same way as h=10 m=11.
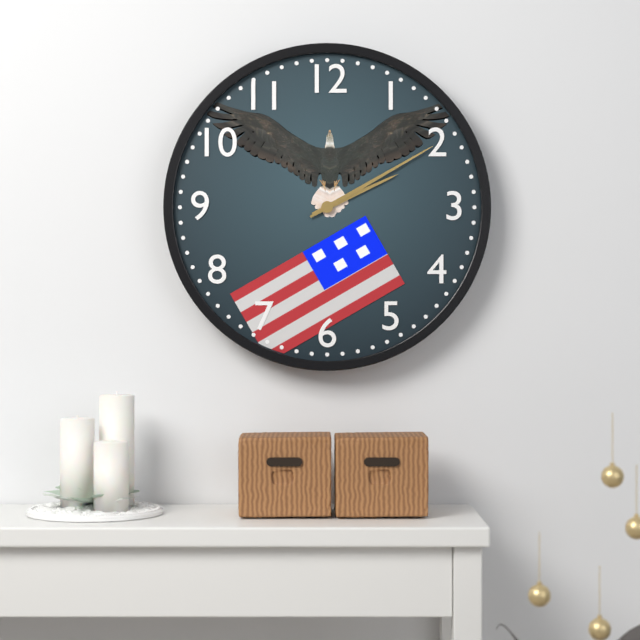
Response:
h=2 m=10
